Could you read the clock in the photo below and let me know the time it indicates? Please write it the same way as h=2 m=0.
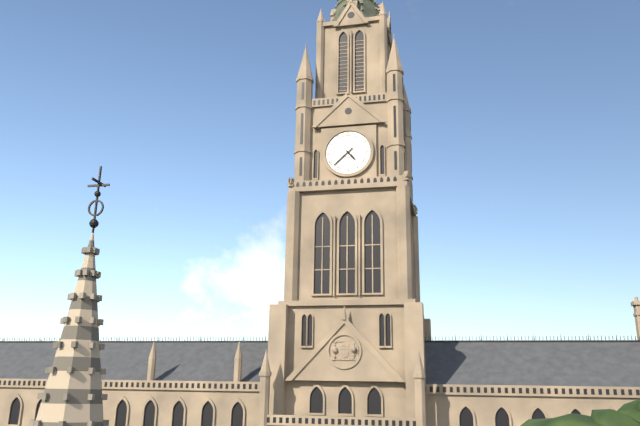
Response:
h=4 m=38
